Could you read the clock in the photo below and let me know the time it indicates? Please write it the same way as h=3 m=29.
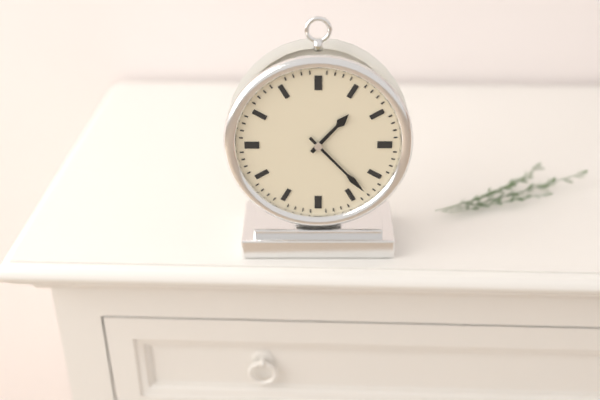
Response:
h=1 m=23
